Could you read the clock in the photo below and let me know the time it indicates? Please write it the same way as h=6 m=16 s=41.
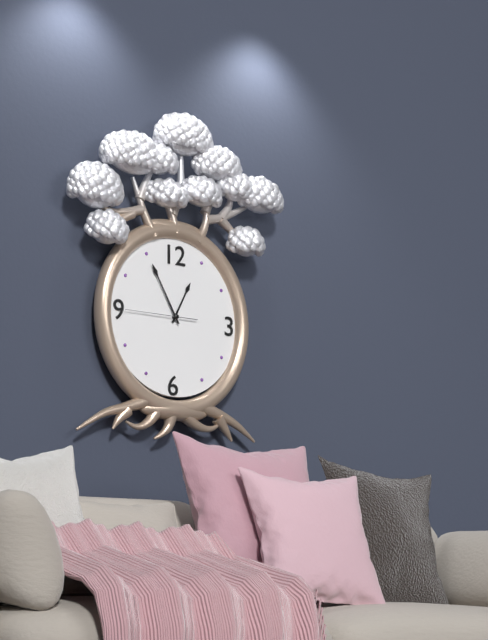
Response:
h=12 m=55 s=45
